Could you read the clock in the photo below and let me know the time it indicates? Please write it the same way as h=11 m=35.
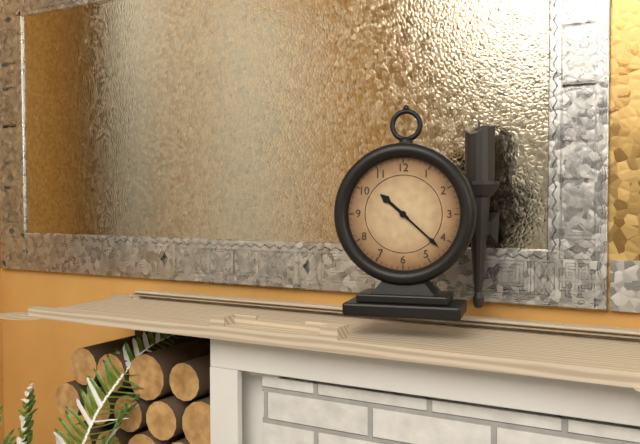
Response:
h=10 m=22
